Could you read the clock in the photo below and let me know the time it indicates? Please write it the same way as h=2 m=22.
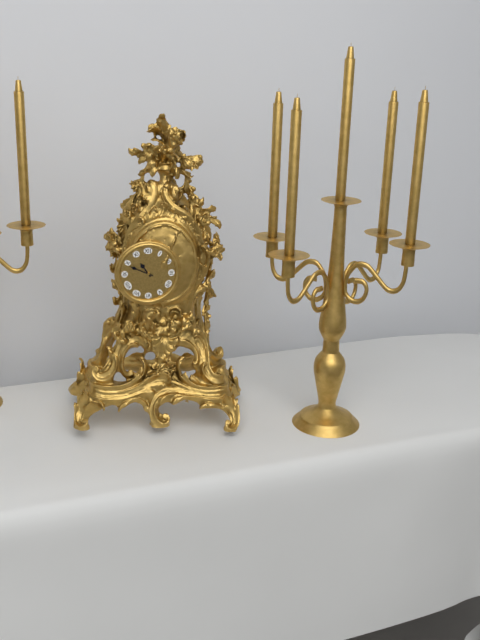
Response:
h=10 m=49
